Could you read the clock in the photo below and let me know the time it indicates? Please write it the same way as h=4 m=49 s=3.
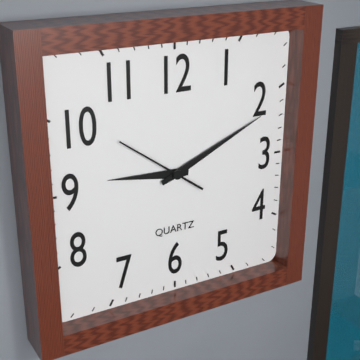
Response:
h=9 m=11 s=51
